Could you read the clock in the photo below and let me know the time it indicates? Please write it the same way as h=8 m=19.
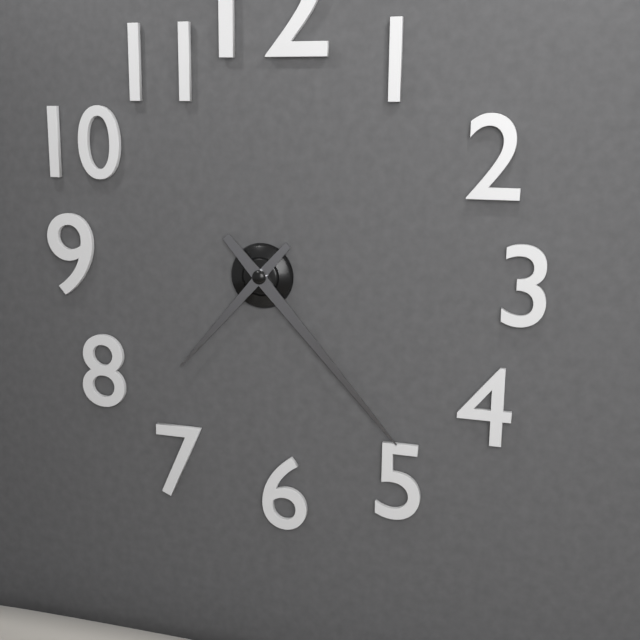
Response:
h=7 m=23
